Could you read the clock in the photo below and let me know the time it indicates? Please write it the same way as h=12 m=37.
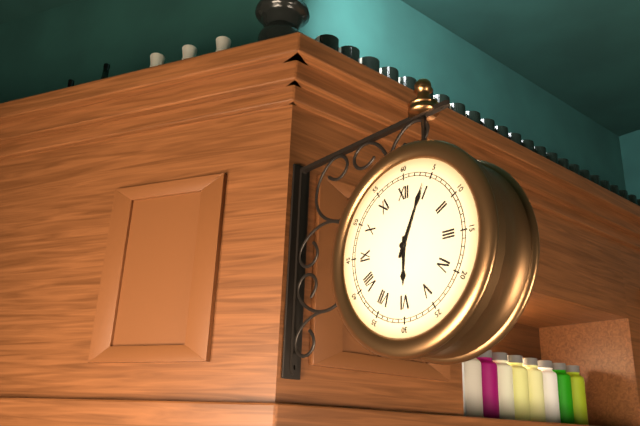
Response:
h=6 m=4
